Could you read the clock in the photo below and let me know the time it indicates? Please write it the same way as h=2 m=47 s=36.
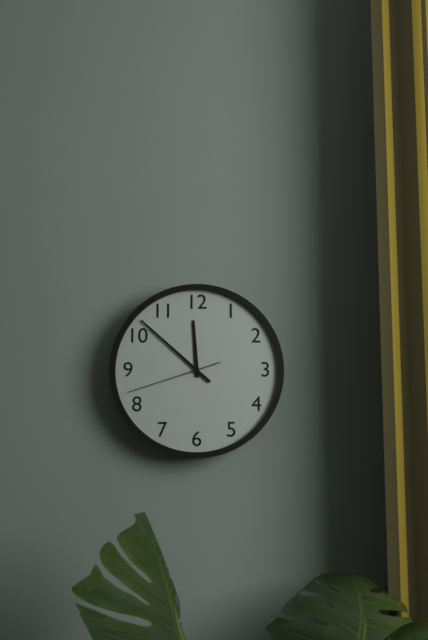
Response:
h=11 m=52 s=42
